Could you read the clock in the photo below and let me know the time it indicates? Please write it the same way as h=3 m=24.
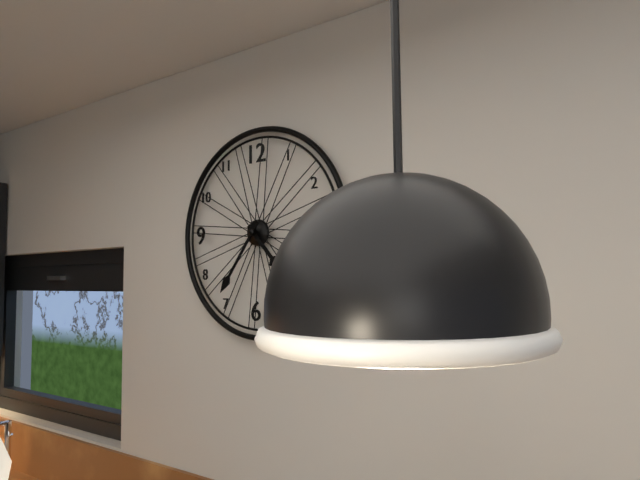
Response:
h=4 m=36
